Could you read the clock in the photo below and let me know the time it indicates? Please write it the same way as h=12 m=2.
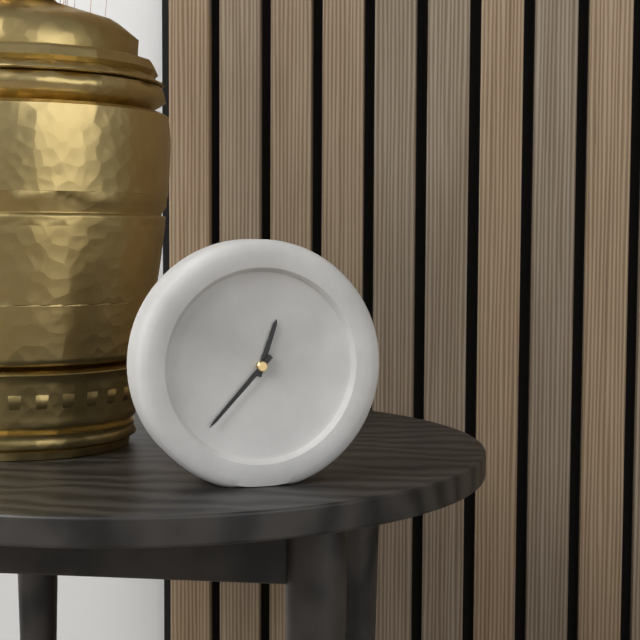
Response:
h=12 m=37
